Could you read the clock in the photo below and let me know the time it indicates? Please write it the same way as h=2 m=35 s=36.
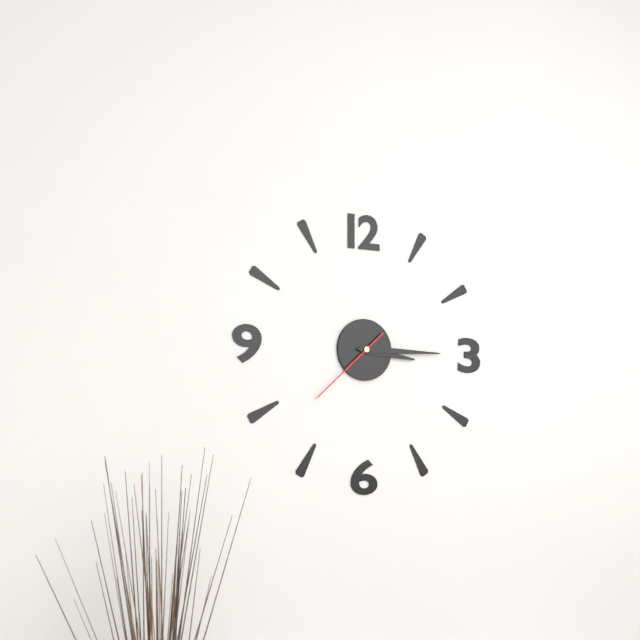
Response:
h=3 m=15 s=38
